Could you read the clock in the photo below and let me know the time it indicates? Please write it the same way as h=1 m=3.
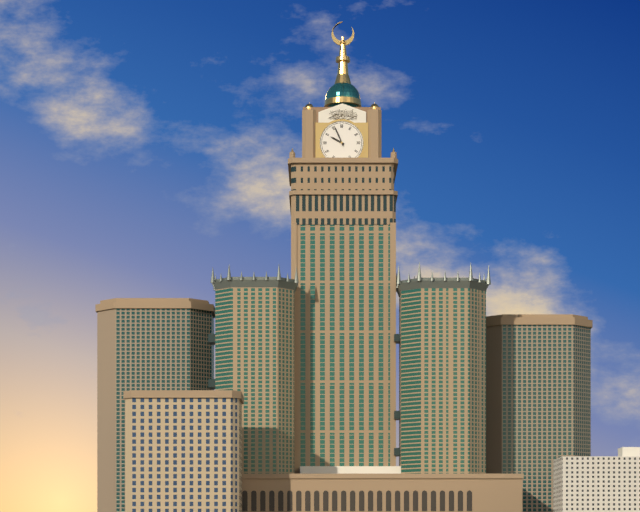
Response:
h=9 m=56
